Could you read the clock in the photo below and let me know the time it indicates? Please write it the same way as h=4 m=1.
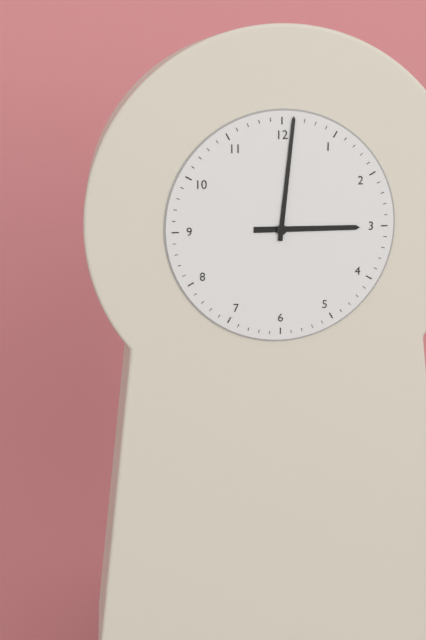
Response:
h=3 m=1
